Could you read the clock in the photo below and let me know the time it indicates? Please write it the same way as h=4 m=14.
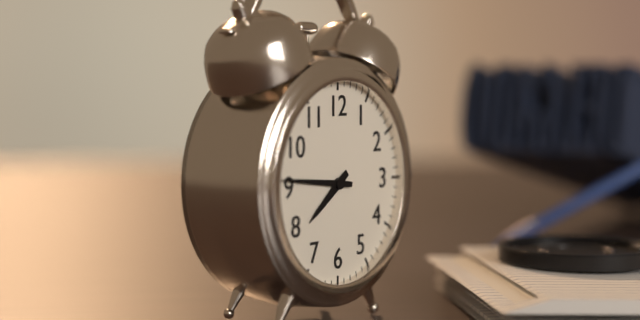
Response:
h=7 m=46
